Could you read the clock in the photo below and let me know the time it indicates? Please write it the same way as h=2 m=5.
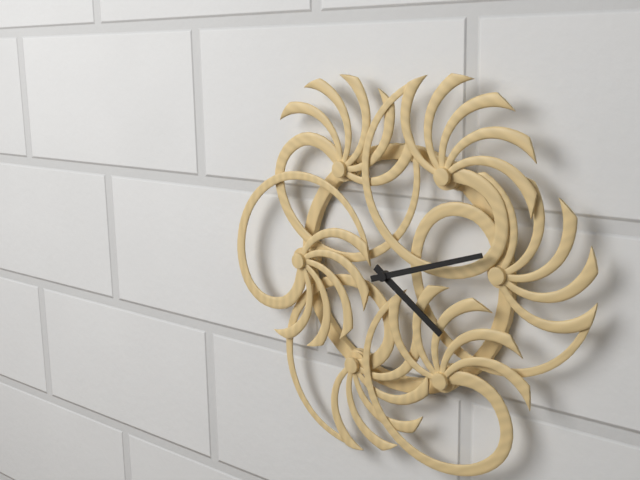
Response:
h=4 m=12
